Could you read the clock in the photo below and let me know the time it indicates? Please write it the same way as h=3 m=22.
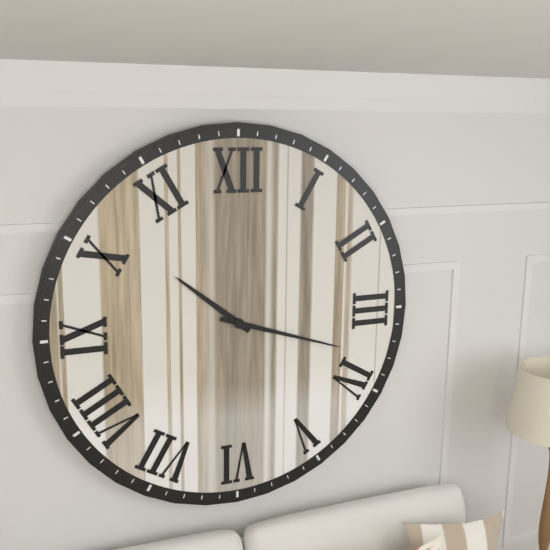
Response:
h=10 m=18
